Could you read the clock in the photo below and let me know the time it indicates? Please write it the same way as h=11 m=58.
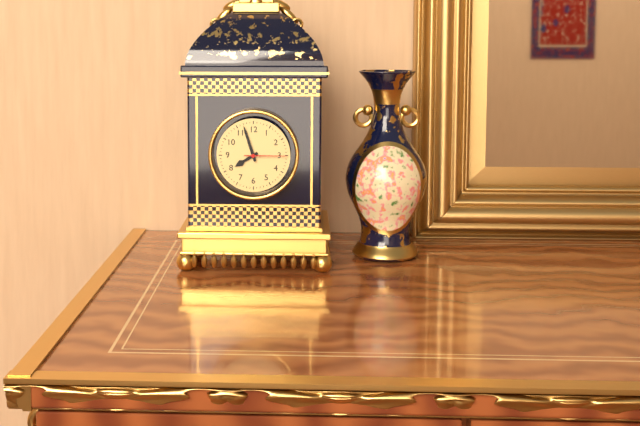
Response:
h=7 m=57
